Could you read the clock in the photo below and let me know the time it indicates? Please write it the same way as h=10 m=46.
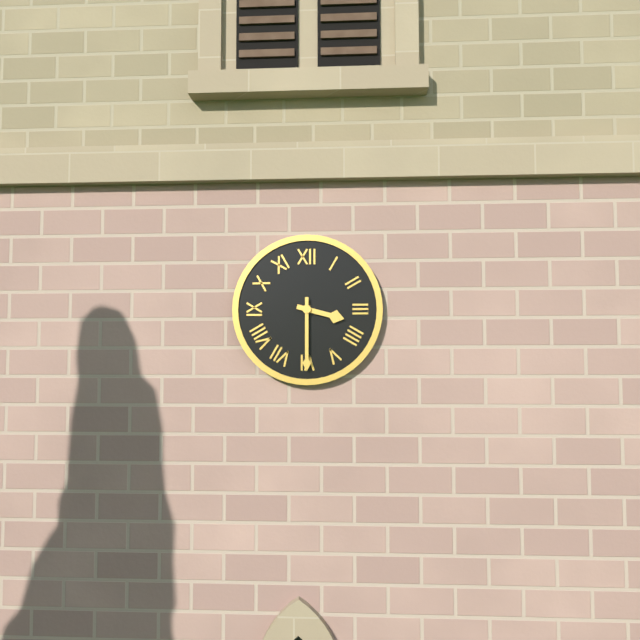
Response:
h=3 m=30
